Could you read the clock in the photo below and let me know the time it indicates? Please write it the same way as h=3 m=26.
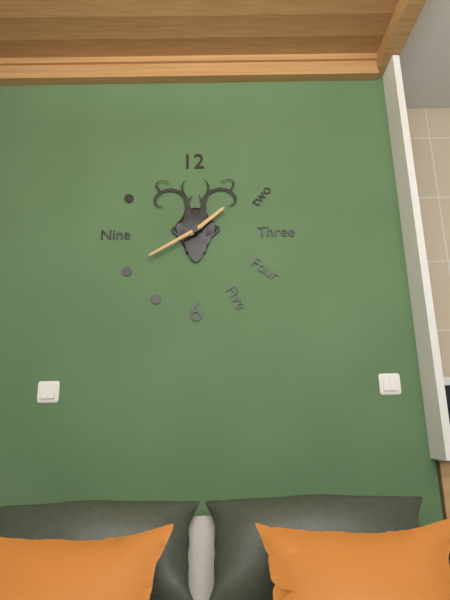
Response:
h=1 m=40
